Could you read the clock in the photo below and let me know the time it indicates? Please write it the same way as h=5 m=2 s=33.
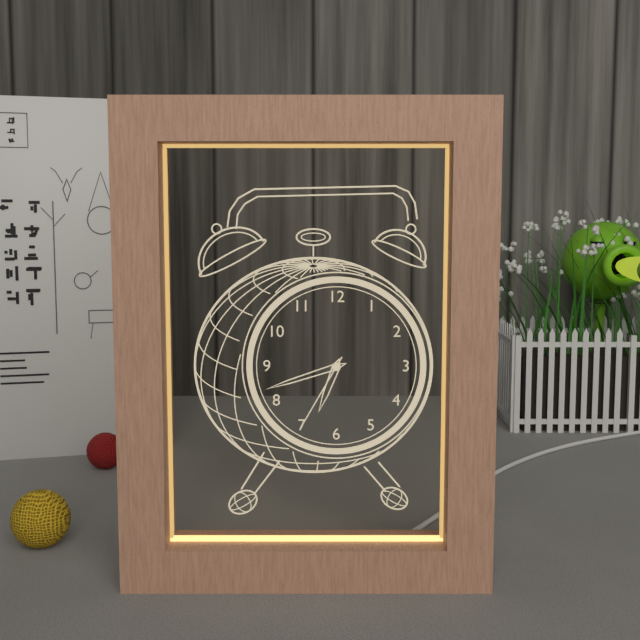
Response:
h=6 m=42 s=35
